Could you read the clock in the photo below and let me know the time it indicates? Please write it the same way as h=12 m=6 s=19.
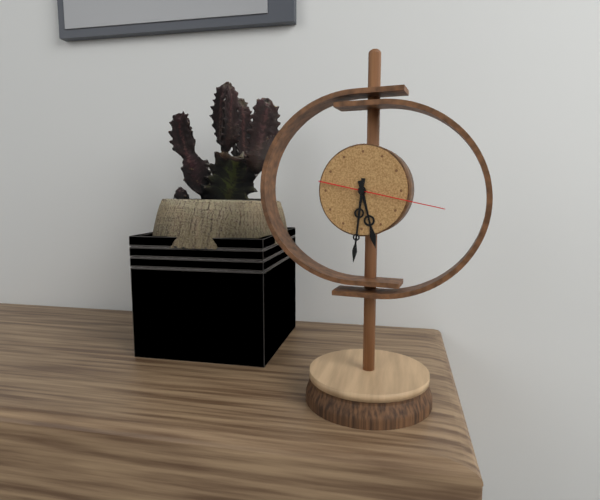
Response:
h=5 m=31 s=17
